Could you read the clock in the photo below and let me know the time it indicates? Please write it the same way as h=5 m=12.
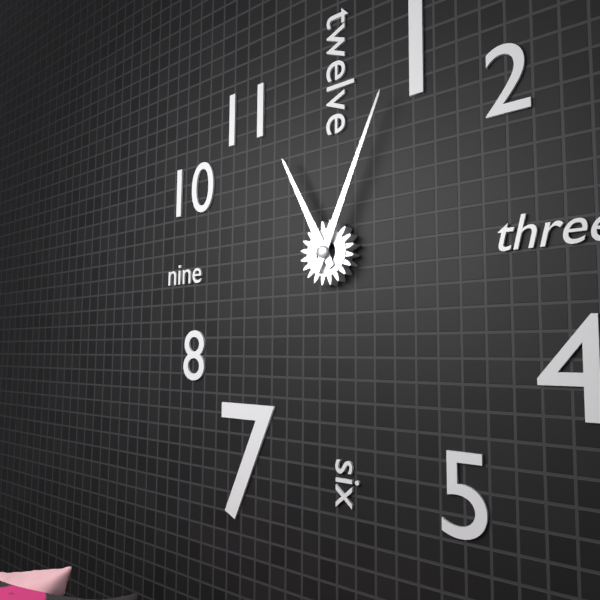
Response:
h=11 m=4
